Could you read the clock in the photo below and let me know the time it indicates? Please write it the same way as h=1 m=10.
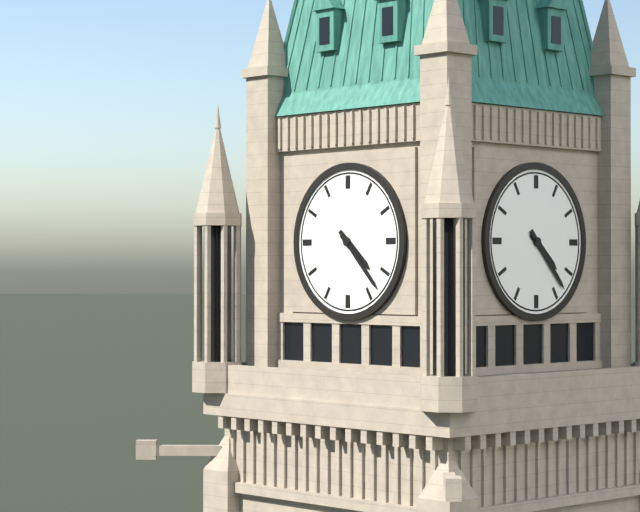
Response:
h=4 m=23
